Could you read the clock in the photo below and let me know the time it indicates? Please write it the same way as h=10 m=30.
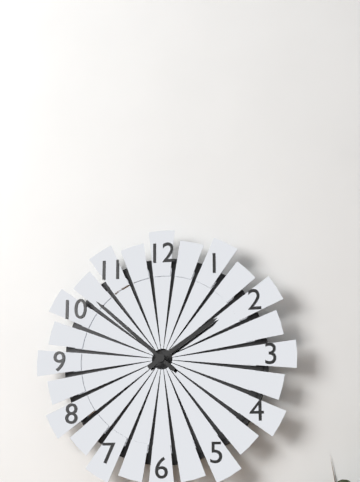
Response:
h=1 m=52
